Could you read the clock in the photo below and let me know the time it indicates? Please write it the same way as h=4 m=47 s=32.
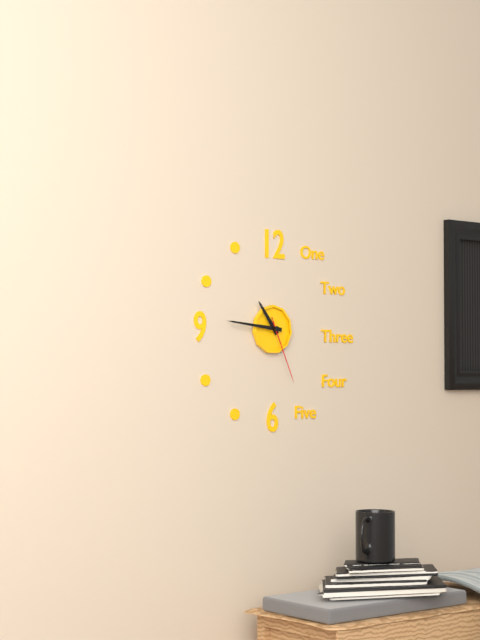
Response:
h=10 m=46 s=26
